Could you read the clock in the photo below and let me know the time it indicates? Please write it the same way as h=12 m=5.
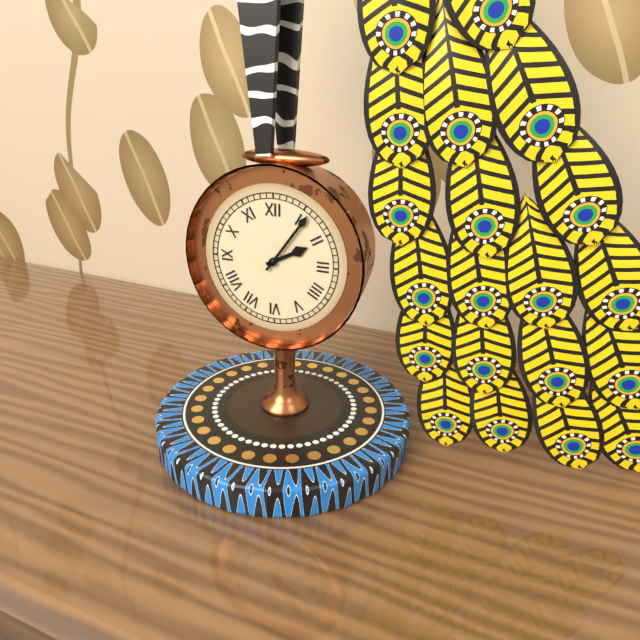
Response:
h=2 m=6
